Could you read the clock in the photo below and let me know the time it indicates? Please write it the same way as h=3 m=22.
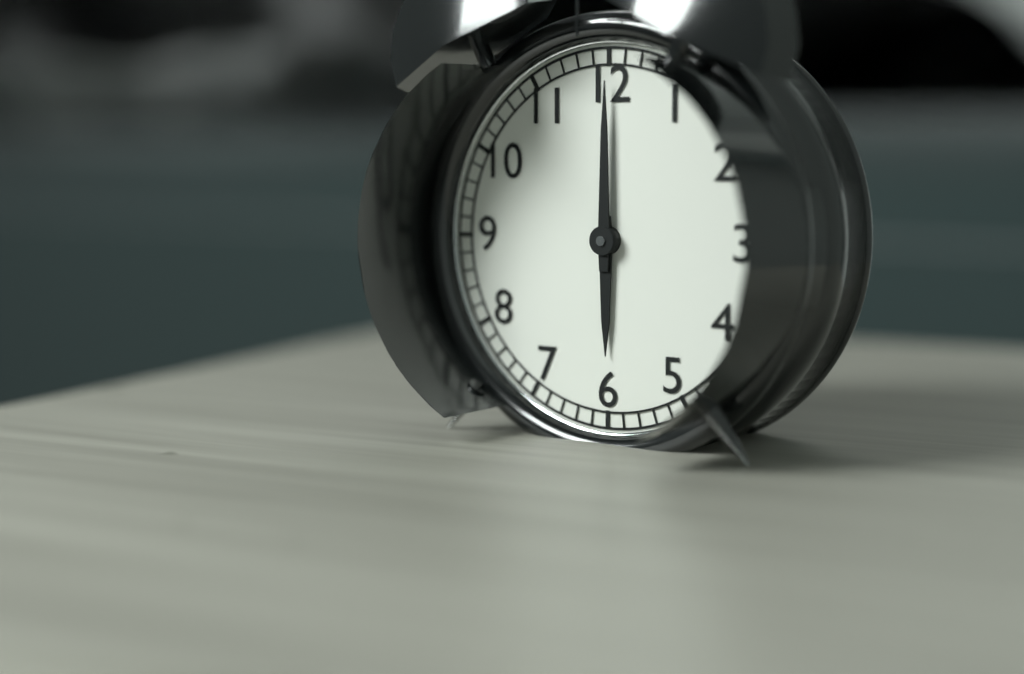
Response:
h=6 m=0
